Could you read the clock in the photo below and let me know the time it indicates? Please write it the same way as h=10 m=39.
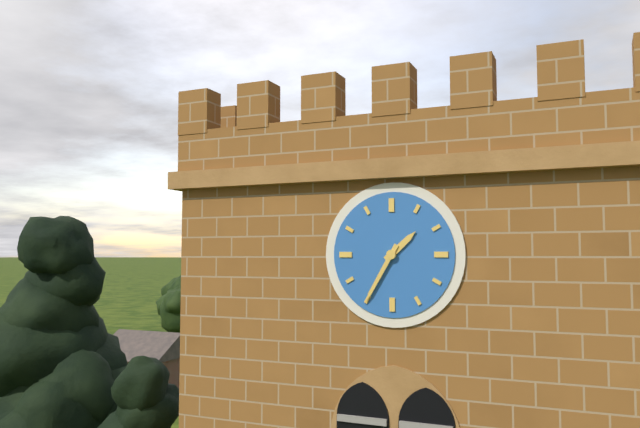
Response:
h=1 m=35
